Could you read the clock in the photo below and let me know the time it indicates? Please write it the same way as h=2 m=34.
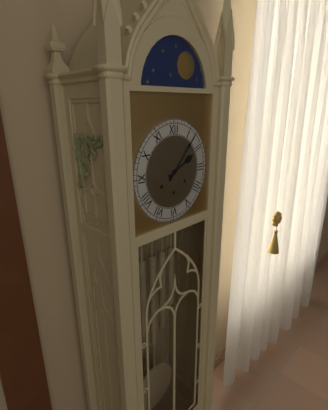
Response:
h=2 m=7
